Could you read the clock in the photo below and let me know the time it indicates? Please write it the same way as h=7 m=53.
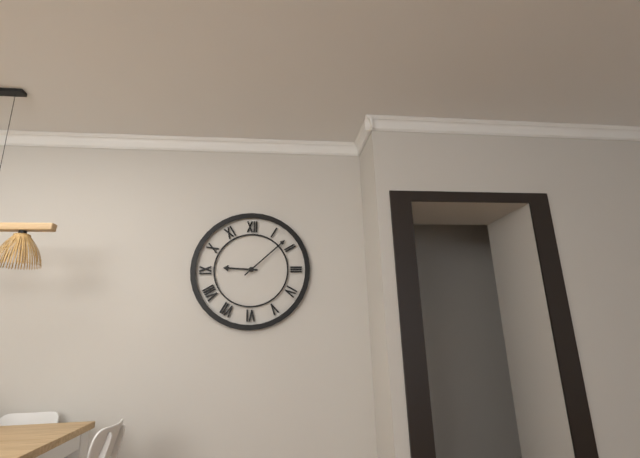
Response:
h=9 m=8
